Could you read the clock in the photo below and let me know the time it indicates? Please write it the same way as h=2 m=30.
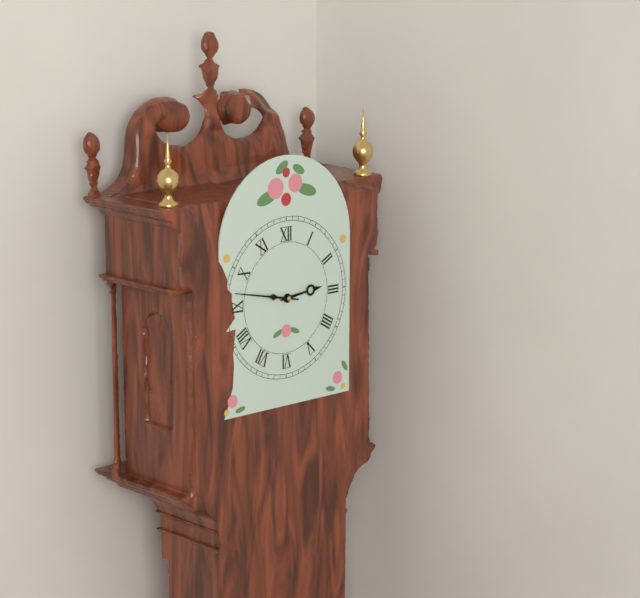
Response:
h=2 m=47
